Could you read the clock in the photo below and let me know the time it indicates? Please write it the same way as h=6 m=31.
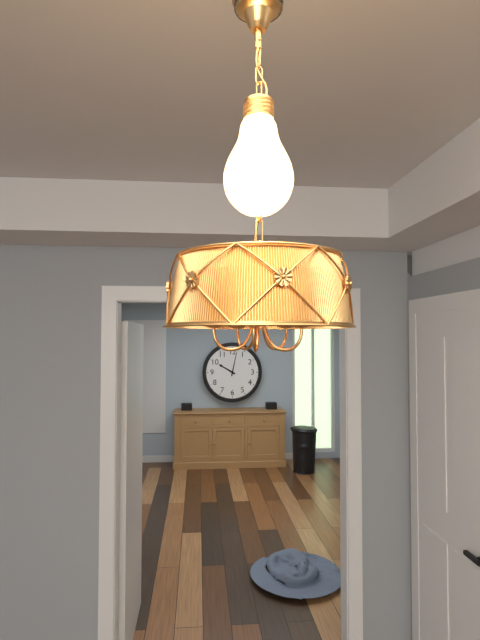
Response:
h=10 m=2
